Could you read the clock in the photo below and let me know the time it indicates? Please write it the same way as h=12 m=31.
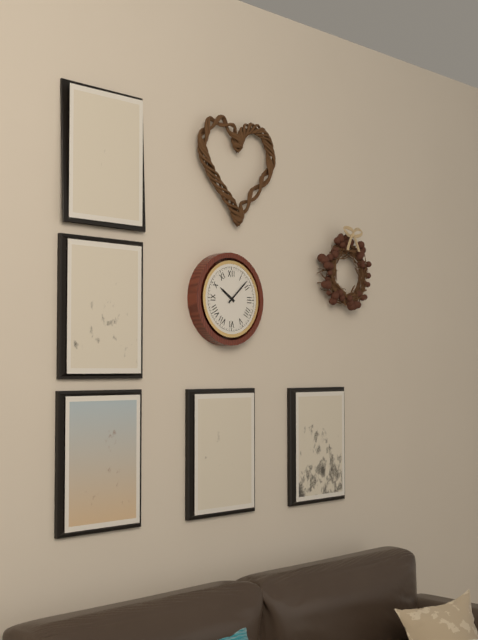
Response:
h=10 m=8
